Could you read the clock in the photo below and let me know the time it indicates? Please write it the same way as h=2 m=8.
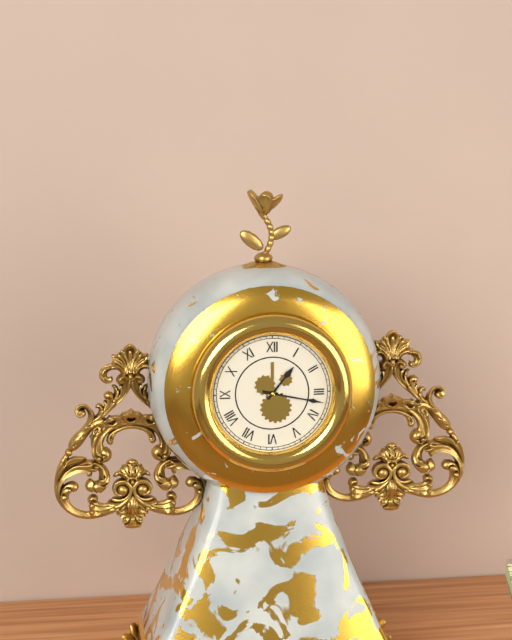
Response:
h=1 m=17
